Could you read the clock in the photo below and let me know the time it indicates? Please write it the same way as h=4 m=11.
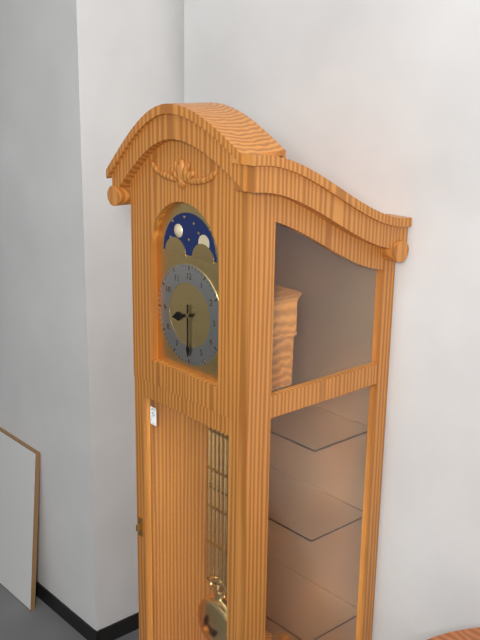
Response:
h=8 m=30
